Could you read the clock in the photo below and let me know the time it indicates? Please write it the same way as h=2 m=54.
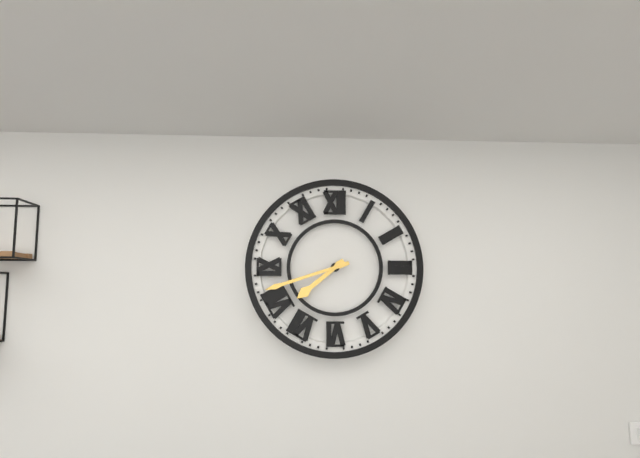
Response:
h=7 m=42
